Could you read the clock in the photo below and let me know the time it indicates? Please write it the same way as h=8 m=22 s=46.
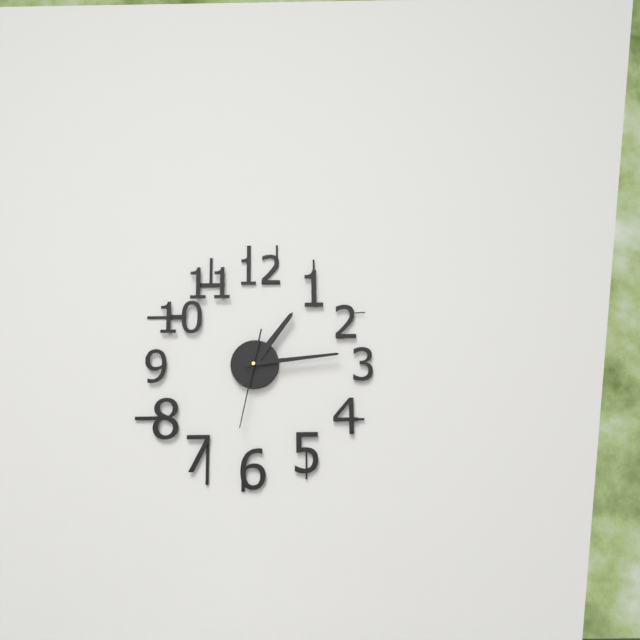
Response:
h=1 m=14 s=32
